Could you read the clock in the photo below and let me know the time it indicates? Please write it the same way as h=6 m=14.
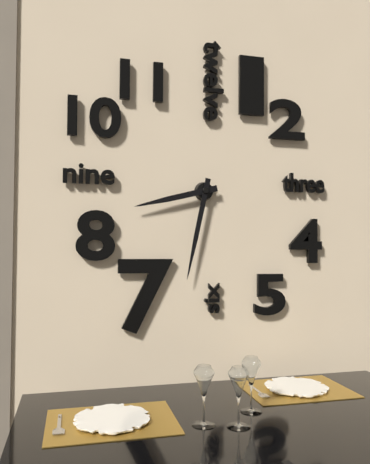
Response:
h=8 m=32
